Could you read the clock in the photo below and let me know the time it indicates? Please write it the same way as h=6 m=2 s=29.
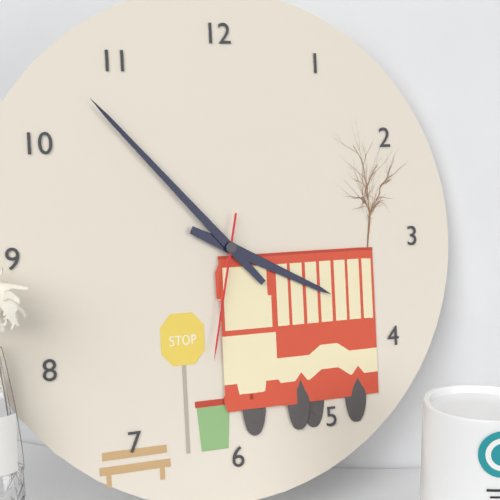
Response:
h=3 m=53 s=32
